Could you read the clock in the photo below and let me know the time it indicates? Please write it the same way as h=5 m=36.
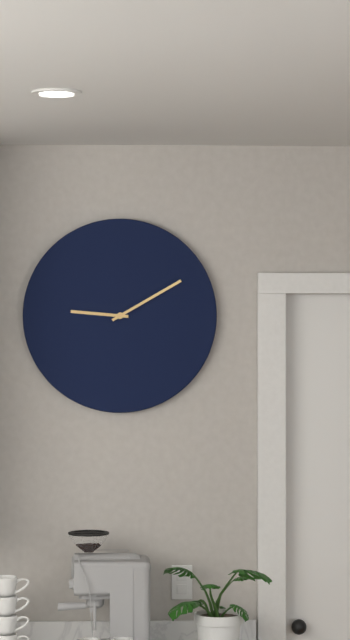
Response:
h=9 m=10
